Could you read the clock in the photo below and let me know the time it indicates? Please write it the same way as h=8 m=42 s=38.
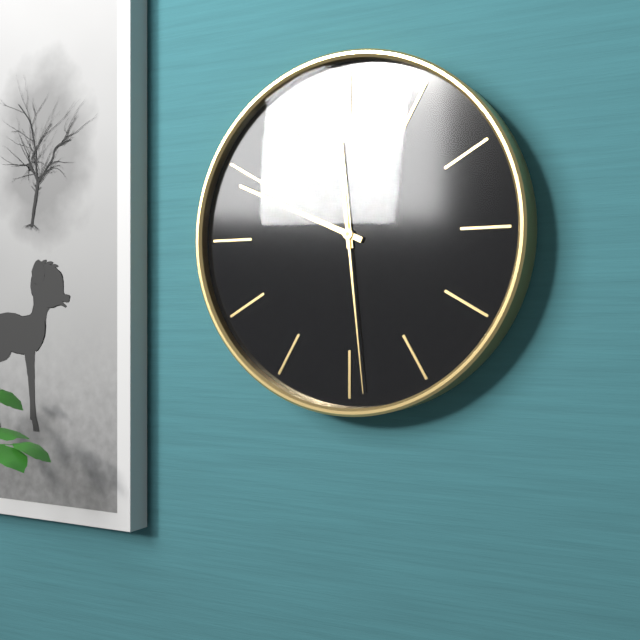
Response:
h=11 m=49 s=29
